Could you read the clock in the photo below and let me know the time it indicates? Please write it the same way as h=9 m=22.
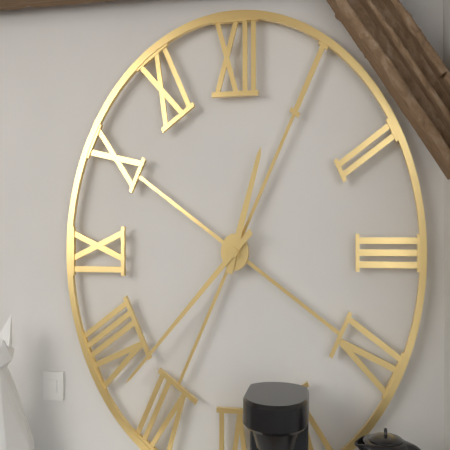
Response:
h=12 m=38
